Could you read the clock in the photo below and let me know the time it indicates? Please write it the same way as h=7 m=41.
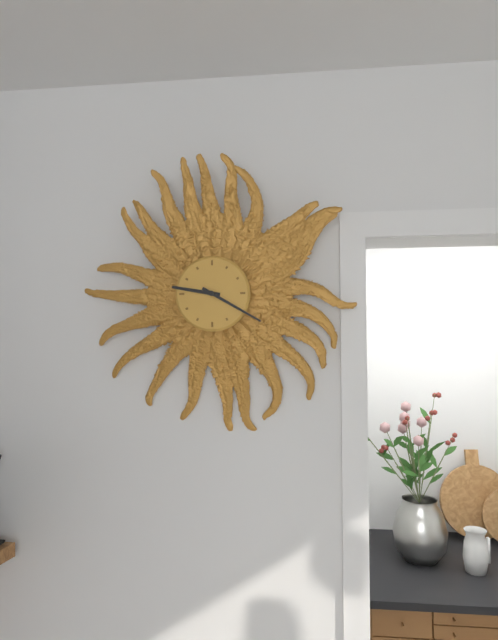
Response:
h=9 m=20
